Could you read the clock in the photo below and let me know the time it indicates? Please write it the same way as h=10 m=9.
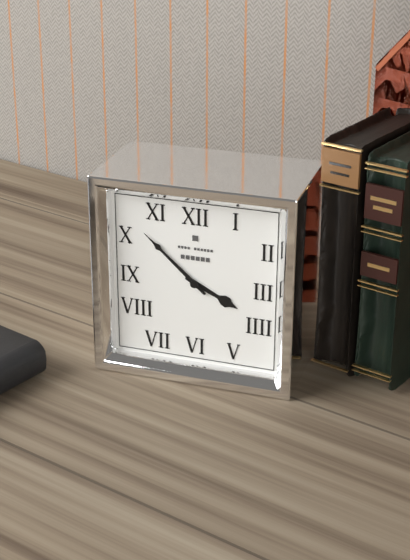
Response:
h=3 m=52
